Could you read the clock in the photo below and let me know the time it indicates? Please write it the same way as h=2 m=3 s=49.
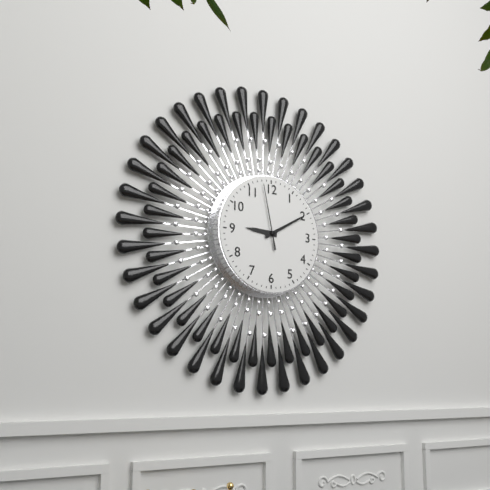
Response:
h=9 m=10 s=58
